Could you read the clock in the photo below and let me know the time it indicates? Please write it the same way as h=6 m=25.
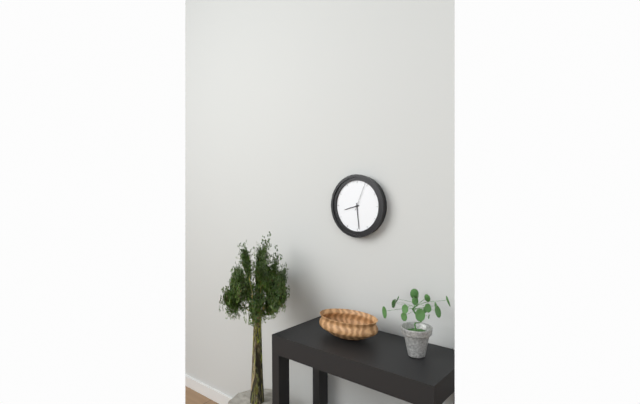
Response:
h=8 m=29
